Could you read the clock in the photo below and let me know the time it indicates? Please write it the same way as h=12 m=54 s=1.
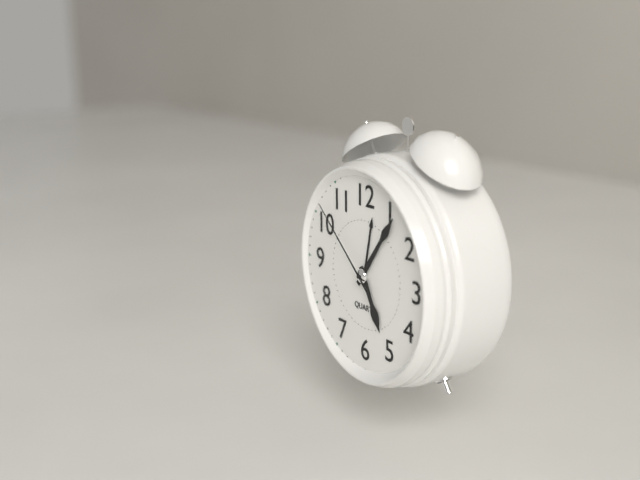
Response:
h=5 m=6 s=52
